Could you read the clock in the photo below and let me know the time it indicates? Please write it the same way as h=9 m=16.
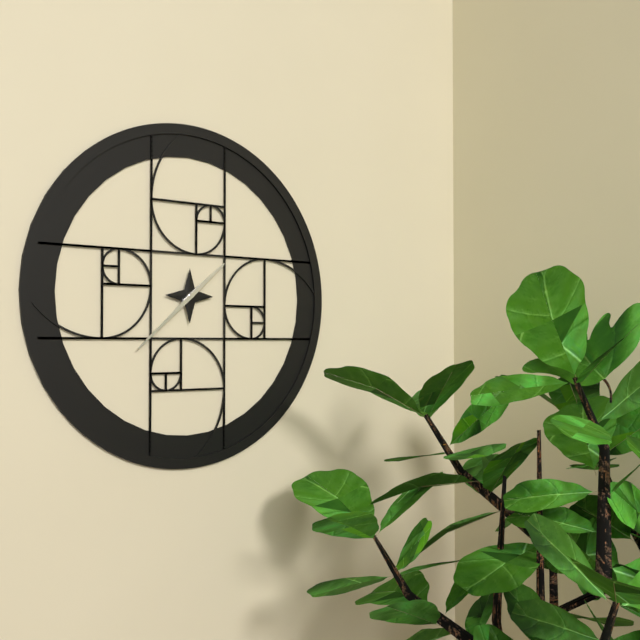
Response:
h=1 m=38
